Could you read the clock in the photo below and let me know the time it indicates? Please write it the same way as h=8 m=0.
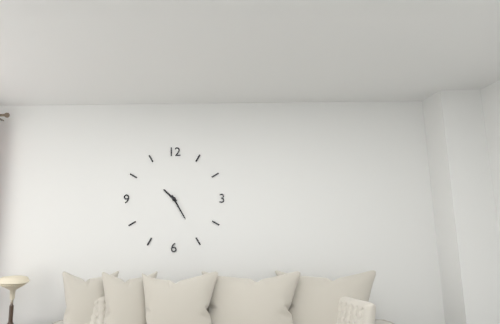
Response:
h=10 m=25
